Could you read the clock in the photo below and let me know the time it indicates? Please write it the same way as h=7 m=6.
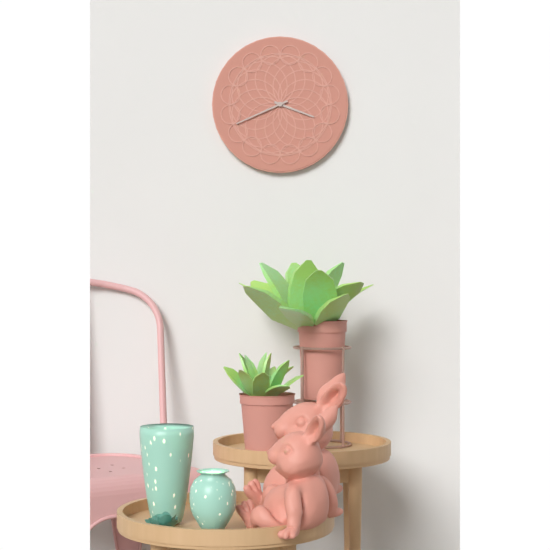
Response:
h=3 m=41
